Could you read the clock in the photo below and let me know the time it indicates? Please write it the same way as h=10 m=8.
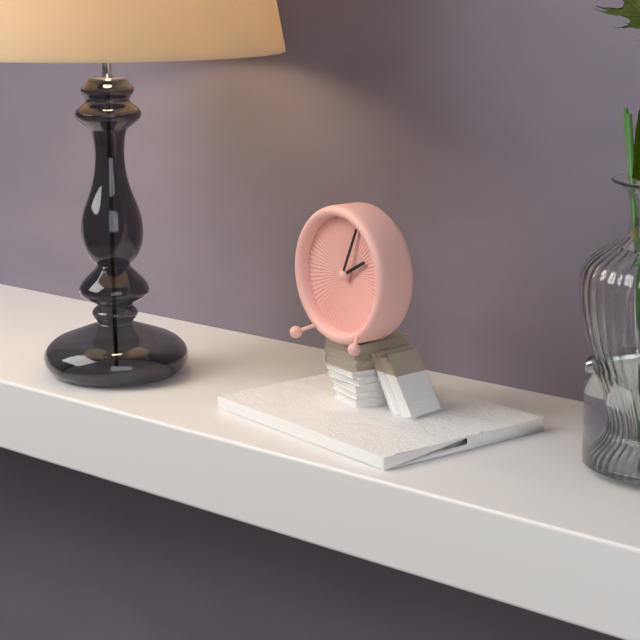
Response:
h=2 m=4
